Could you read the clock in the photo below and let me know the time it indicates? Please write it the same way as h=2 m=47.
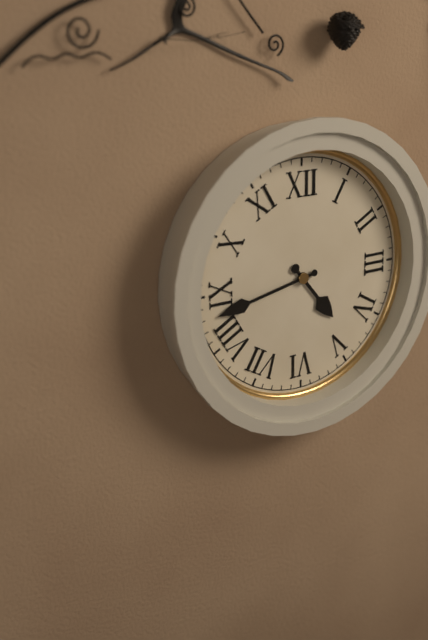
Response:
h=4 m=43
